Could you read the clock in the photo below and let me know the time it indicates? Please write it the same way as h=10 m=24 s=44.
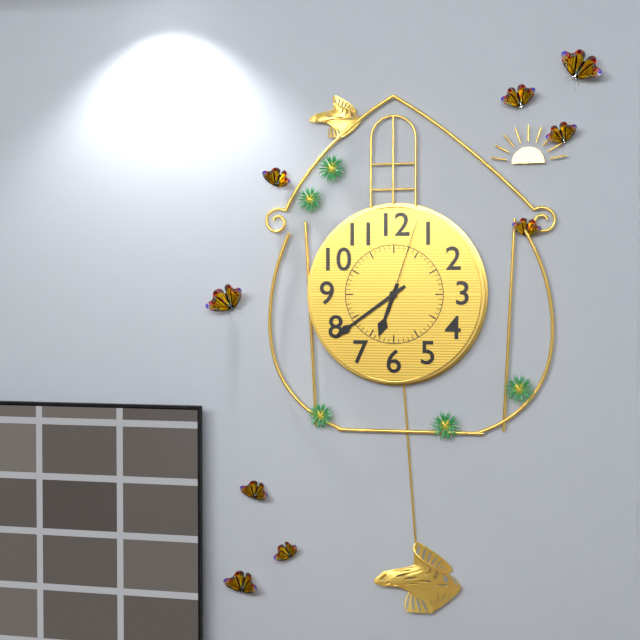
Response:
h=6 m=39 s=3
